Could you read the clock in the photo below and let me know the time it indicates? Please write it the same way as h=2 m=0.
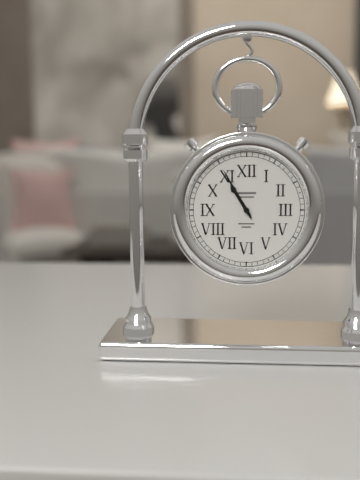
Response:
h=10 m=55
